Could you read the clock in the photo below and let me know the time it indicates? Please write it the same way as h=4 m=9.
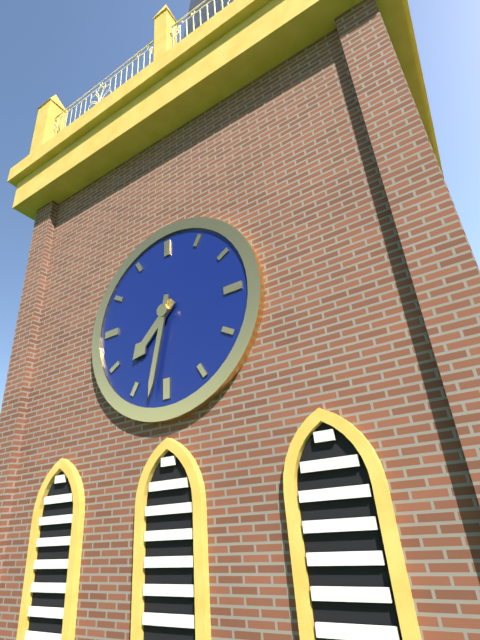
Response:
h=7 m=32
